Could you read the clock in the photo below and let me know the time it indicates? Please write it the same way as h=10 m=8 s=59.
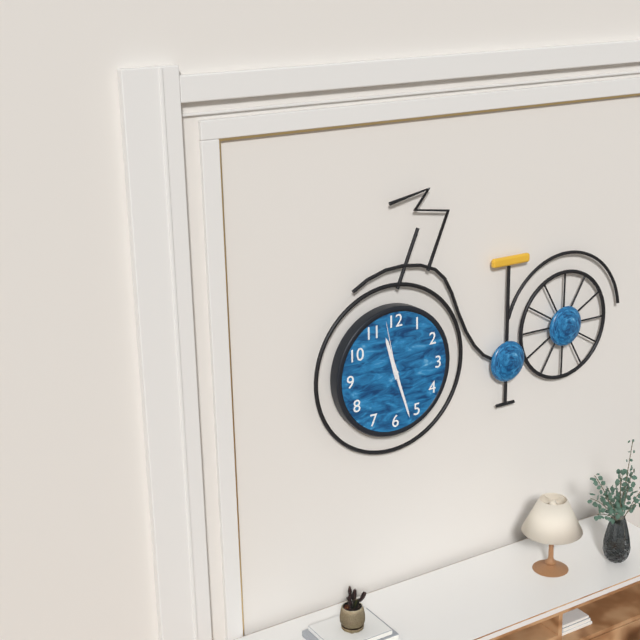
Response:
h=11 m=27 s=58
